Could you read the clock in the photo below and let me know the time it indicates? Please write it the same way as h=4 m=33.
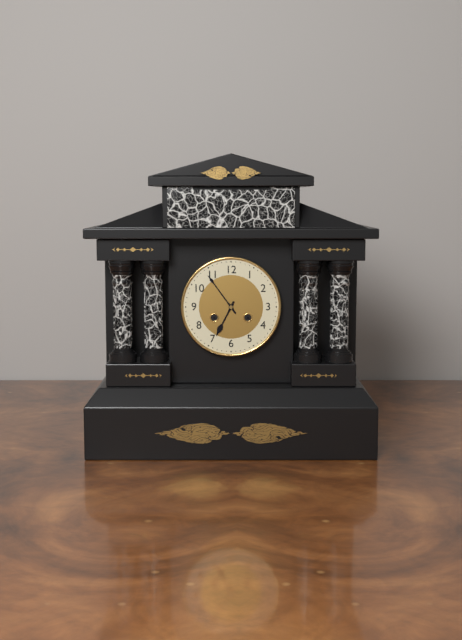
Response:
h=6 m=54
